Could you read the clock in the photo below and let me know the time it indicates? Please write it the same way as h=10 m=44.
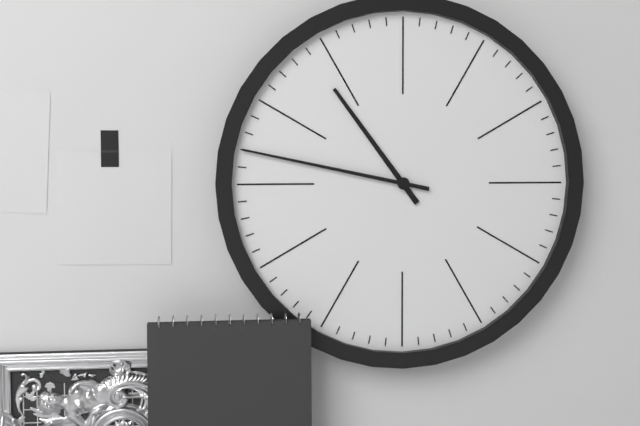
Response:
h=10 m=47
